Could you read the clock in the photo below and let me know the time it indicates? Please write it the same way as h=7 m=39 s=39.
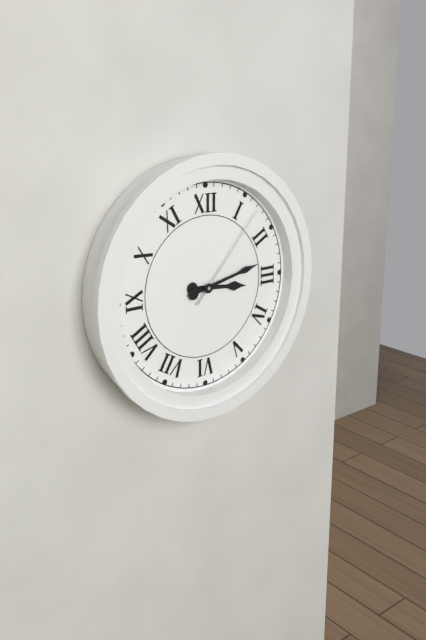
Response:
h=3 m=13 s=7
